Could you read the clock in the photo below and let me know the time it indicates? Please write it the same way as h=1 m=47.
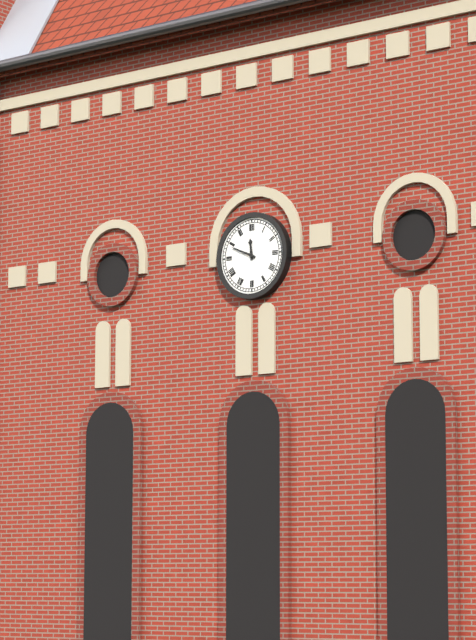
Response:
h=11 m=49
